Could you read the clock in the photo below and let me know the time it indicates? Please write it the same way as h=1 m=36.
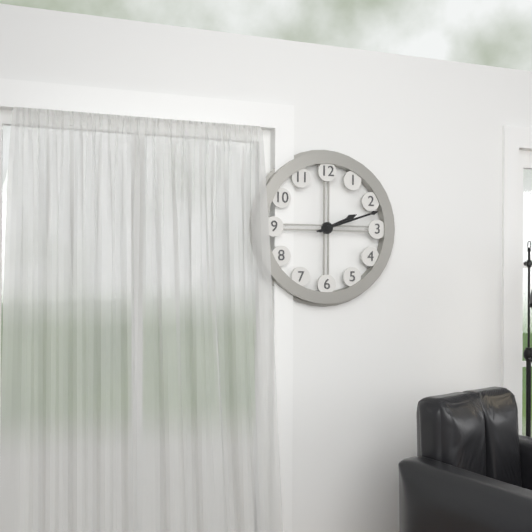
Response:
h=2 m=12
